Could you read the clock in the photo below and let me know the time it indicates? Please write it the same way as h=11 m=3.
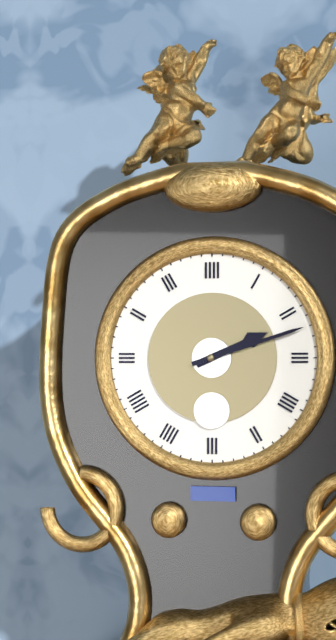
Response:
h=2 m=12
